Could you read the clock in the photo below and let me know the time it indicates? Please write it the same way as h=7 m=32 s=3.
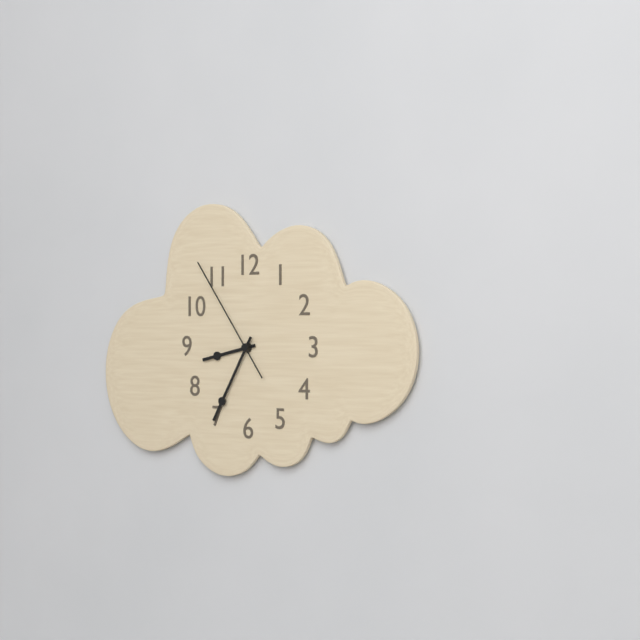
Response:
h=8 m=35 s=54
